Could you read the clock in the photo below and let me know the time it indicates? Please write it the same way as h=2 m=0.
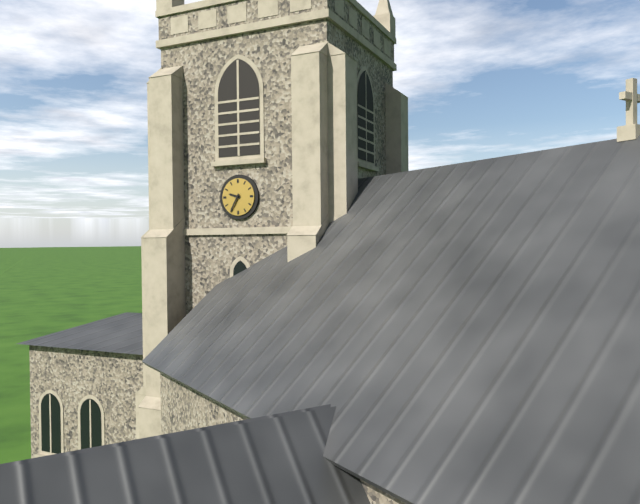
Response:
h=9 m=35
